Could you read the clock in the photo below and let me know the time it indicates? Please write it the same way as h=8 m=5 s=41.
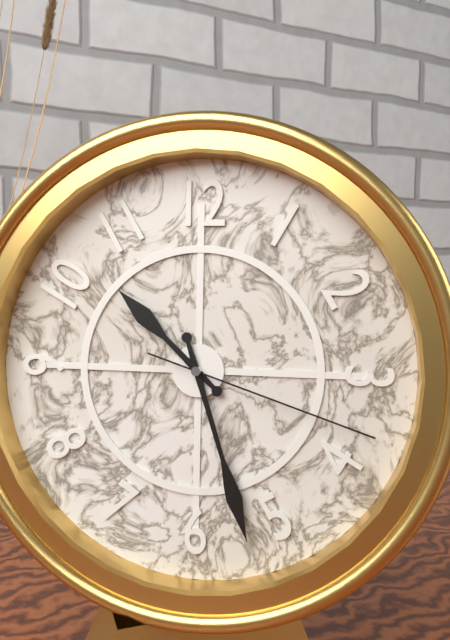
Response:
h=10 m=27 s=18
